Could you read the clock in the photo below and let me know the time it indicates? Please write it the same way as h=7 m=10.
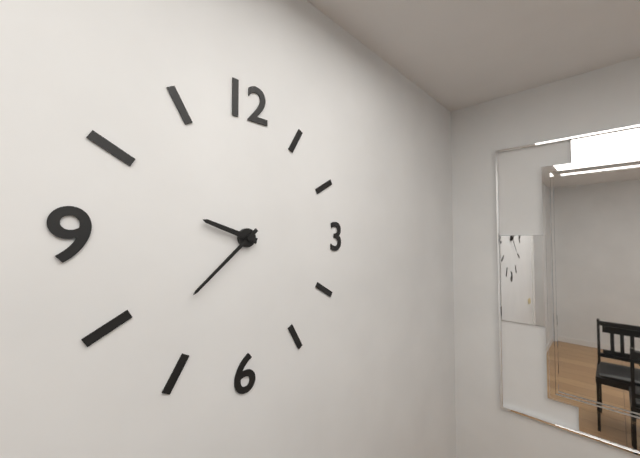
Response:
h=9 m=38
